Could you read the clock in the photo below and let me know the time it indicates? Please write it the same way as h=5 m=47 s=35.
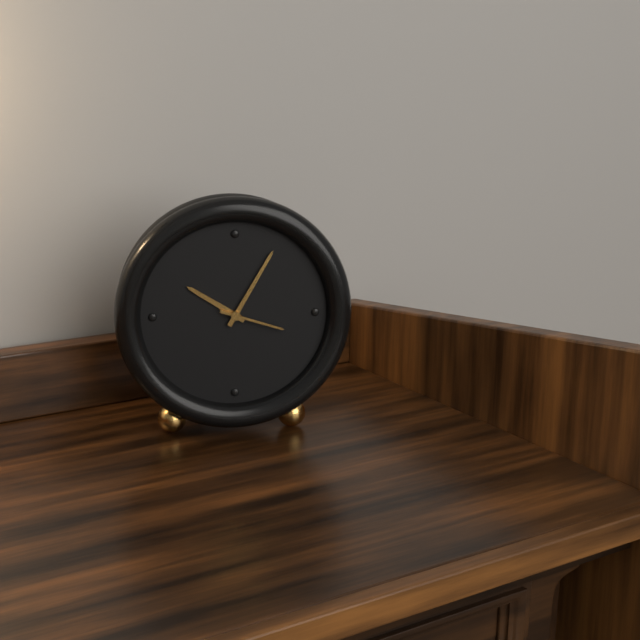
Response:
h=10 m=5 s=18
